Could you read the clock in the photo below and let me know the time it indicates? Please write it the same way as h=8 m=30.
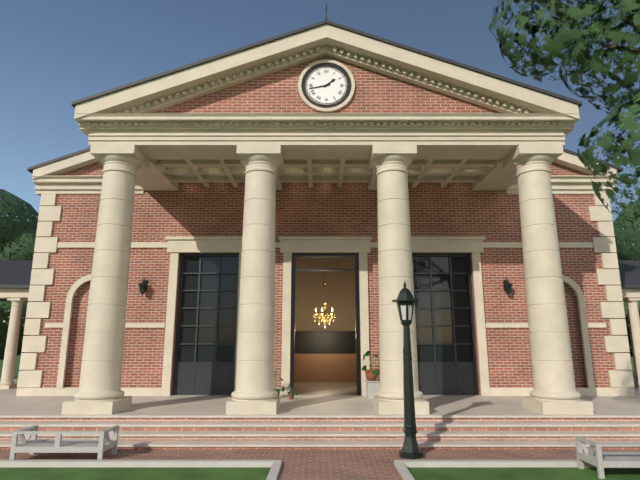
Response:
h=1 m=43
